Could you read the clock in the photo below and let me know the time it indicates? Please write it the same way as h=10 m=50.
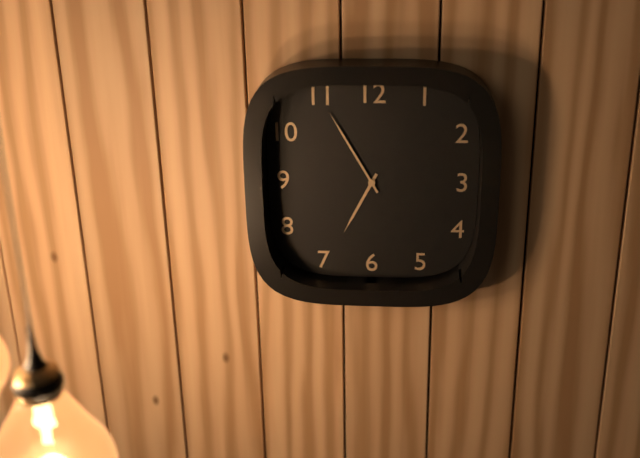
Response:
h=6 m=55
